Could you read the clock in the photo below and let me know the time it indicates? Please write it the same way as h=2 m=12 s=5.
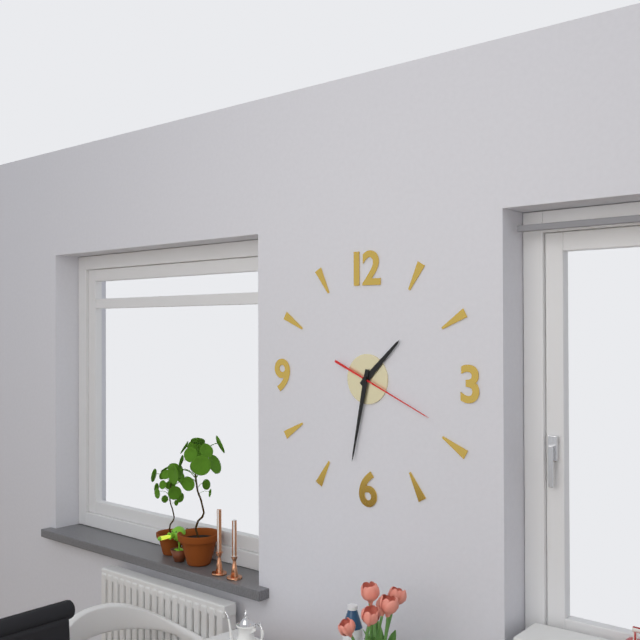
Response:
h=1 m=32 s=19
